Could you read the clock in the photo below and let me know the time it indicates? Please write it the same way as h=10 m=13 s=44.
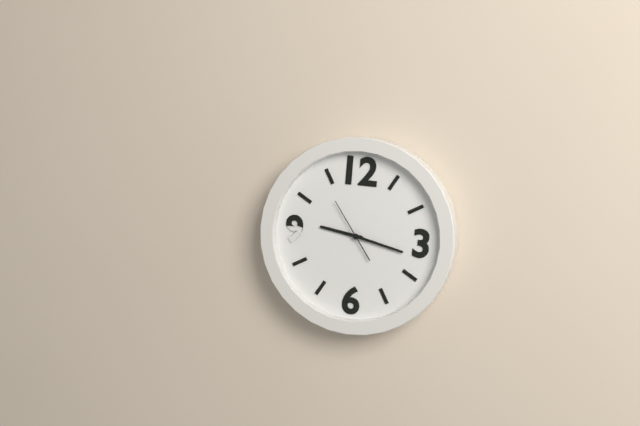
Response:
h=9 m=17 s=54
